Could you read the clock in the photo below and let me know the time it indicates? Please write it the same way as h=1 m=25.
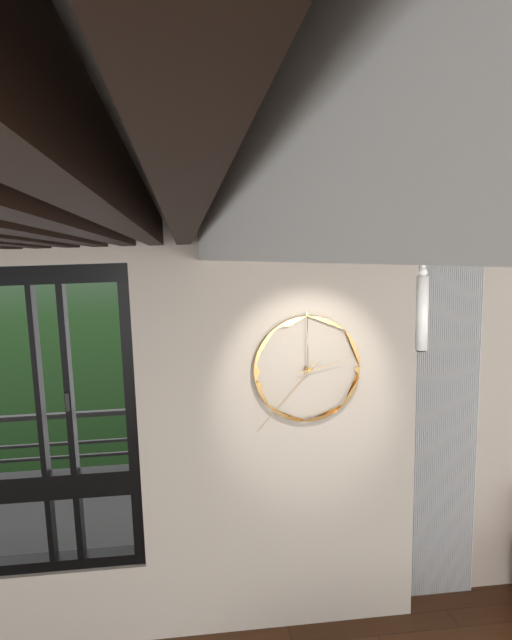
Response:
h=2 m=37
